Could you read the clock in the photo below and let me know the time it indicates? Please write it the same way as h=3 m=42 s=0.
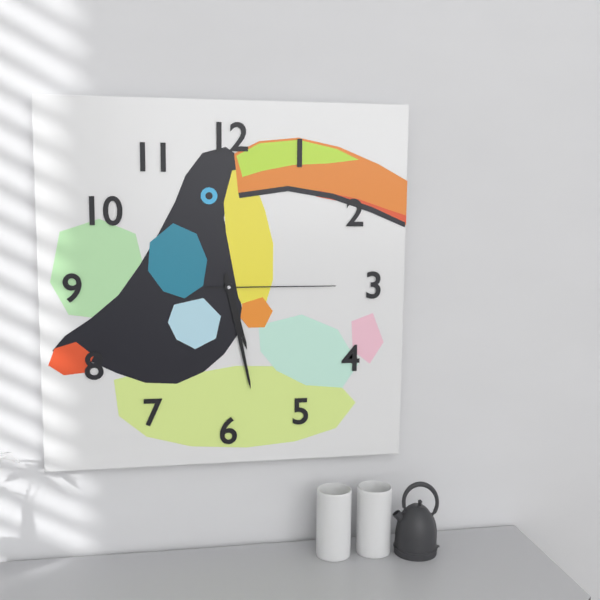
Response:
h=5 m=28 s=15
